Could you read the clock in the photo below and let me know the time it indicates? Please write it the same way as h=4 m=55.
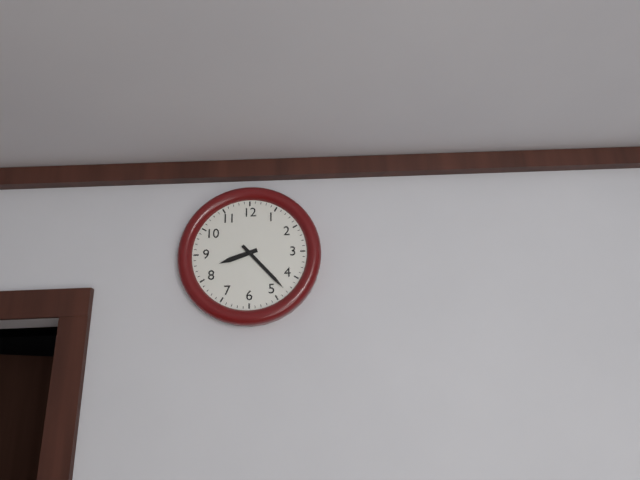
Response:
h=8 m=23
